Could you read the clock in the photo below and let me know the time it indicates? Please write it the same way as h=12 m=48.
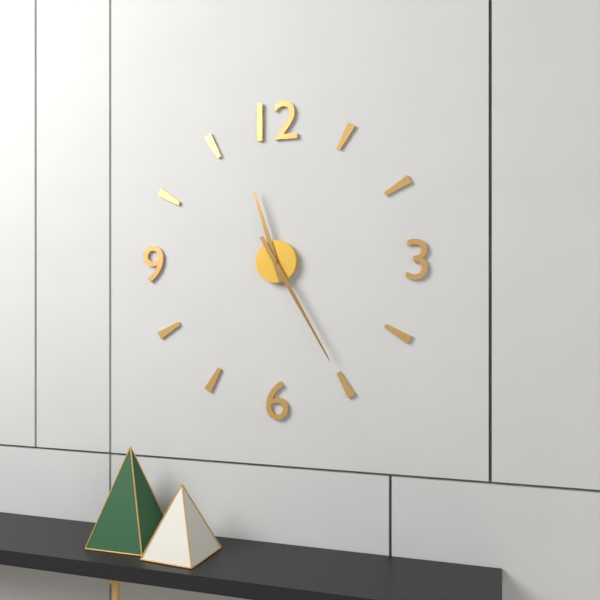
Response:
h=11 m=25
